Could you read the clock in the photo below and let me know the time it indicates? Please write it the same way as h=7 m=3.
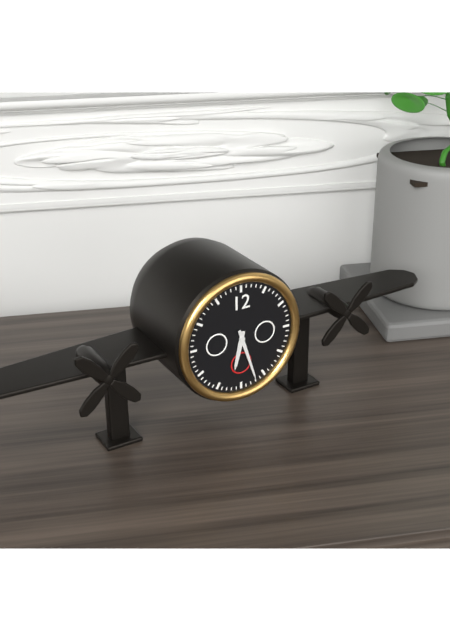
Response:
h=6 m=27
